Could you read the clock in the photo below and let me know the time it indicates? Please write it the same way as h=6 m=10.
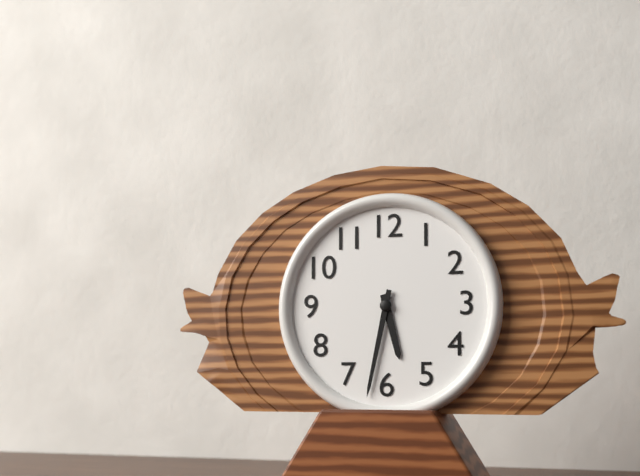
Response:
h=5 m=32
